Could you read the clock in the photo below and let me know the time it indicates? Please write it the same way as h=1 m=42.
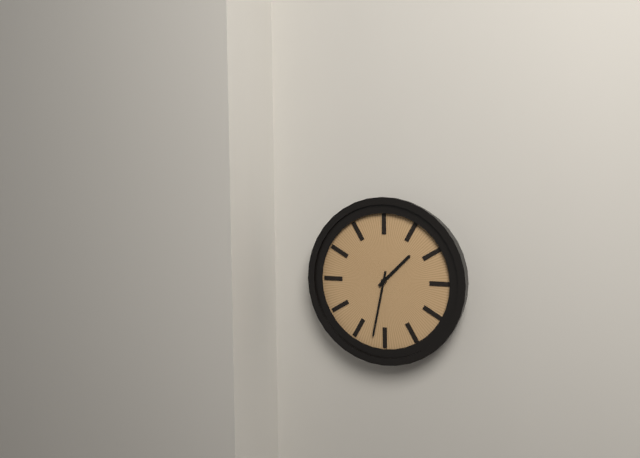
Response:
h=1 m=32
